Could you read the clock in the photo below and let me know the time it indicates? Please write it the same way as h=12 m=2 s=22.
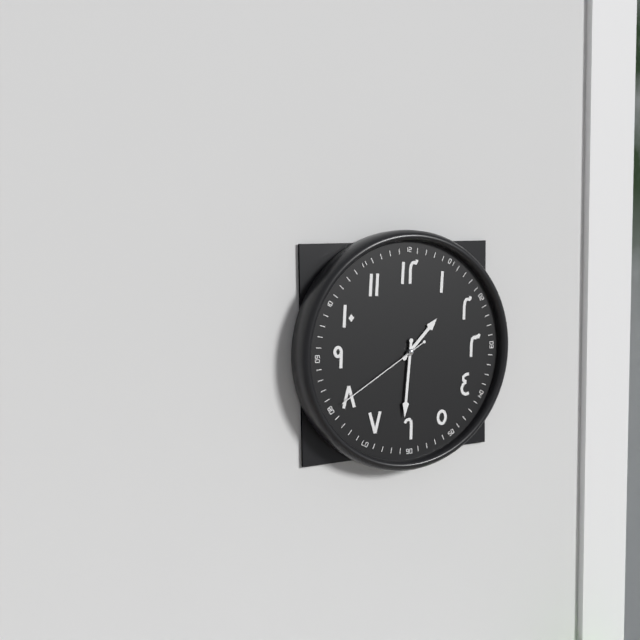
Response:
h=1 m=31 s=40
